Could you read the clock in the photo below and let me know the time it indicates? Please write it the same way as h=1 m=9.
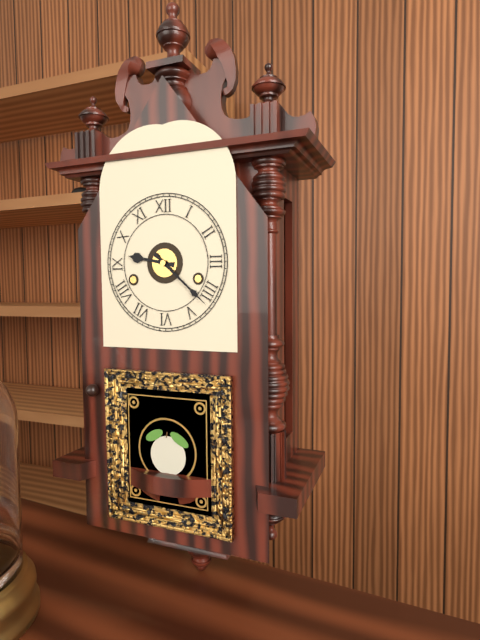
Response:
h=9 m=22
